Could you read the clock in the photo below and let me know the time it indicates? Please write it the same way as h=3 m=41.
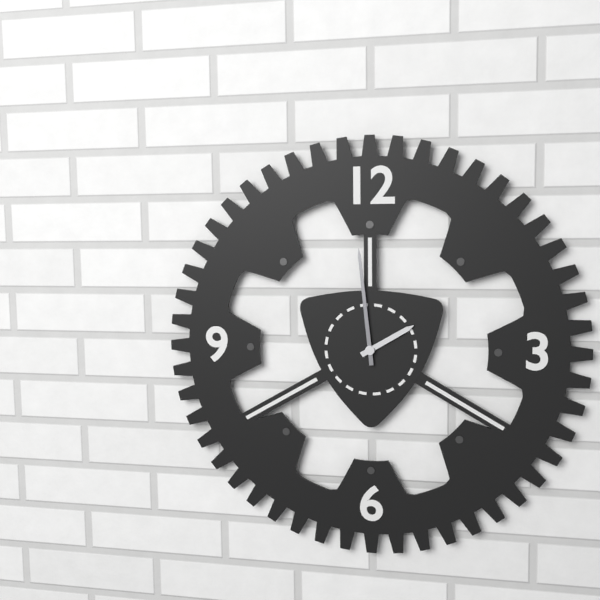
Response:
h=1 m=59
